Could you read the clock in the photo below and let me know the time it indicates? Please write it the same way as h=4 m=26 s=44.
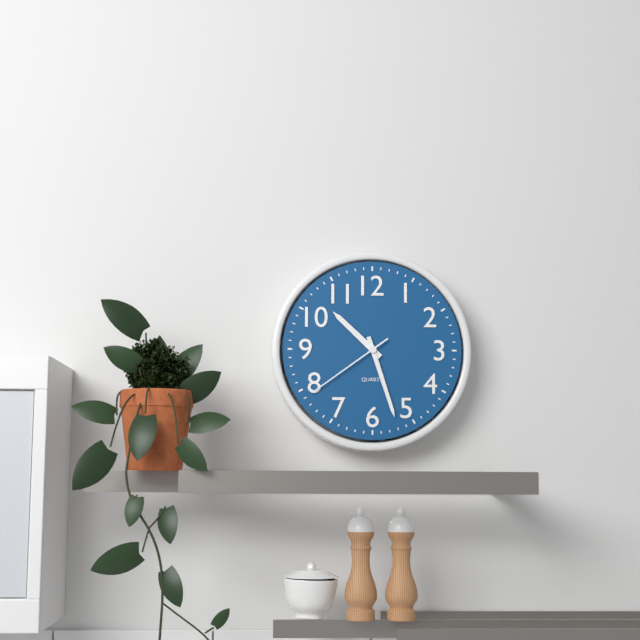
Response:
h=10 m=27 s=39
